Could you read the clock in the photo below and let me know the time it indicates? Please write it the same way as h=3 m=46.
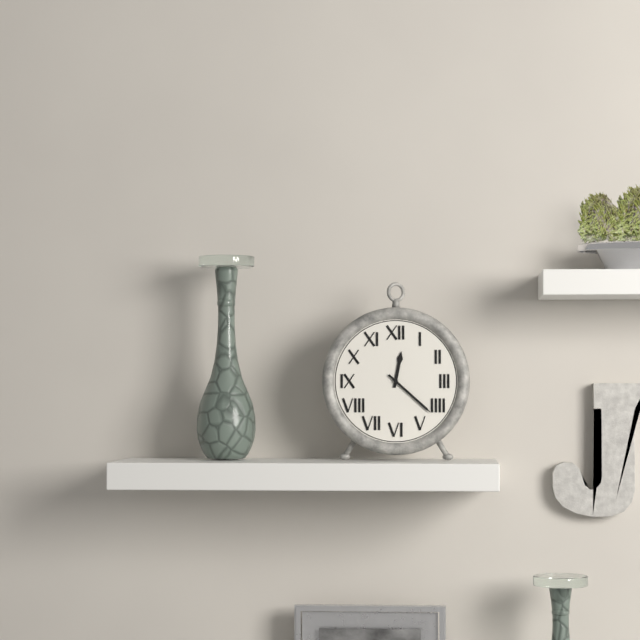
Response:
h=12 m=22
